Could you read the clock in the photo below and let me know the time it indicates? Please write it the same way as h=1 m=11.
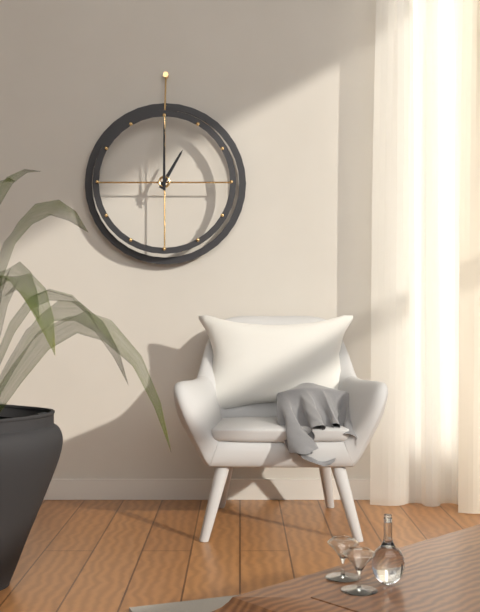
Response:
h=1 m=0
